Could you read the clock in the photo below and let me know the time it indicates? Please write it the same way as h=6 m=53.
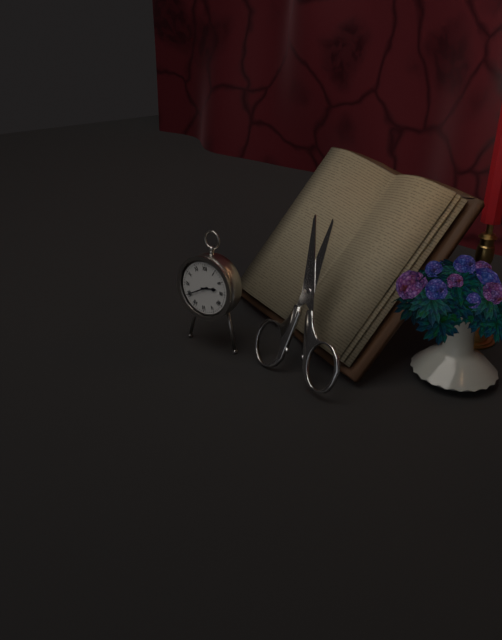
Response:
h=2 m=40
